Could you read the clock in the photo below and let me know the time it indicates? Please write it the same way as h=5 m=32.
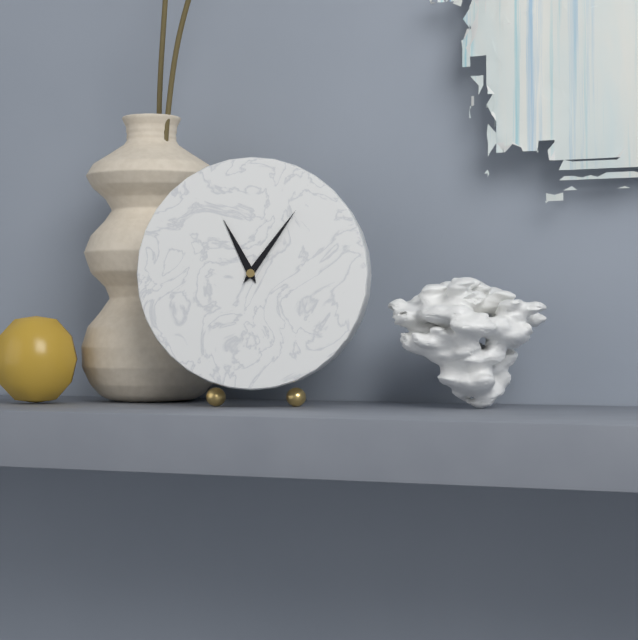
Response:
h=11 m=6
